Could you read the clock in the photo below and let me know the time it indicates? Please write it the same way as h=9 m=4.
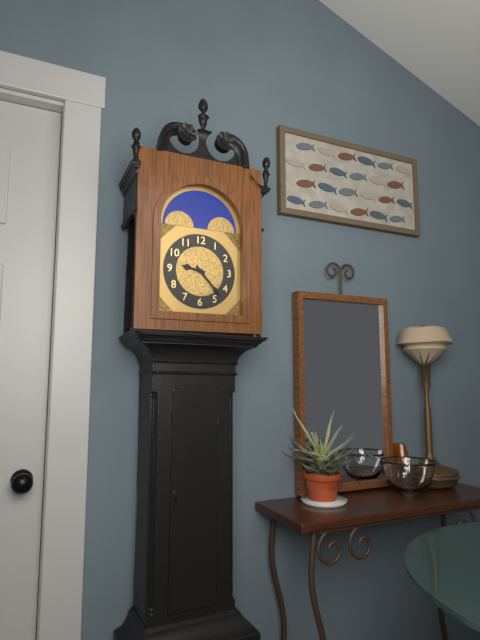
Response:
h=9 m=23
